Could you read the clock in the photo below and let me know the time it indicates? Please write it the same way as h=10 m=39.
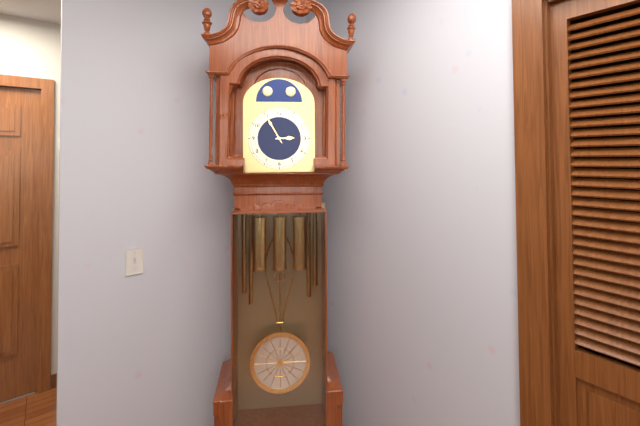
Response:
h=2 m=55
